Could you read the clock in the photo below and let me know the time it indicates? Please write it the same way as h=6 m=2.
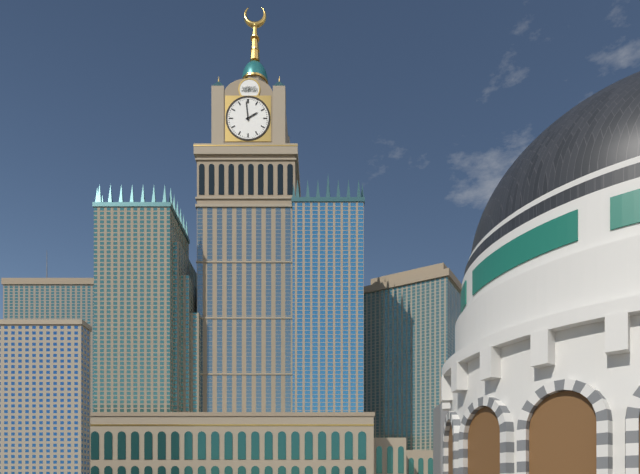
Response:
h=1 m=59
